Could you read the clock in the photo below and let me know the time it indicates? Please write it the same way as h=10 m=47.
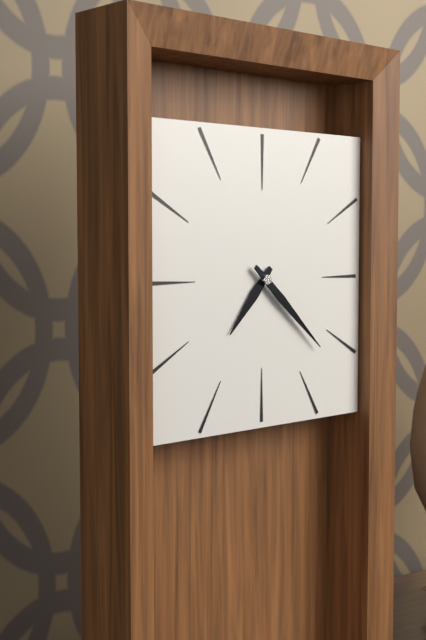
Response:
h=7 m=22
